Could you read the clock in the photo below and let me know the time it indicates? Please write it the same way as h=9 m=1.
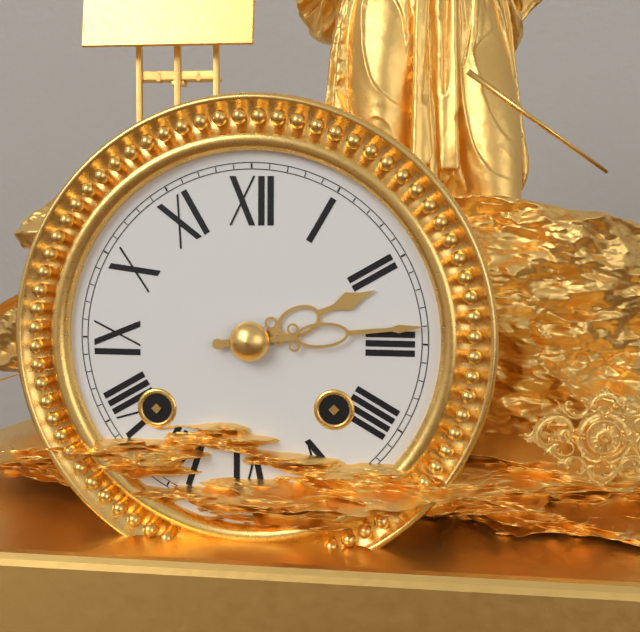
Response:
h=2 m=14
